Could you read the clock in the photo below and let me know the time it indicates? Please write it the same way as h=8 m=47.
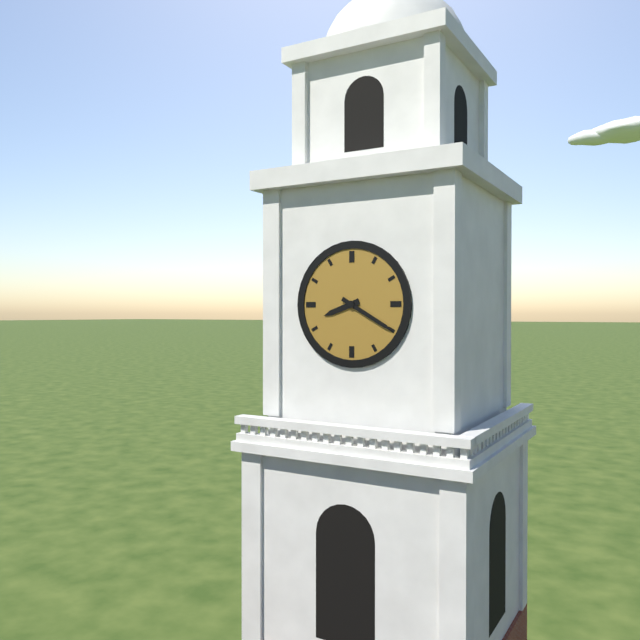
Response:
h=8 m=20
